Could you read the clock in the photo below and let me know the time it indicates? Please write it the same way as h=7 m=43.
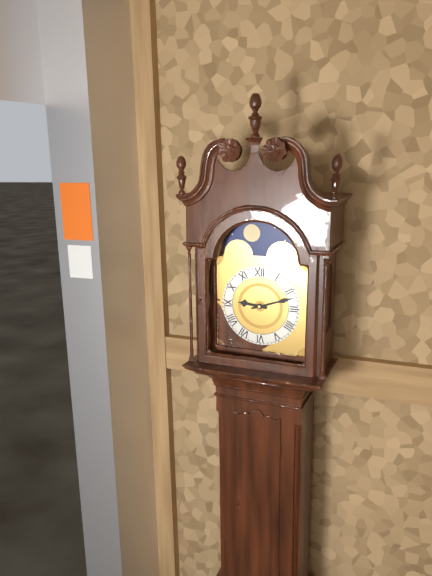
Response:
h=9 m=12
